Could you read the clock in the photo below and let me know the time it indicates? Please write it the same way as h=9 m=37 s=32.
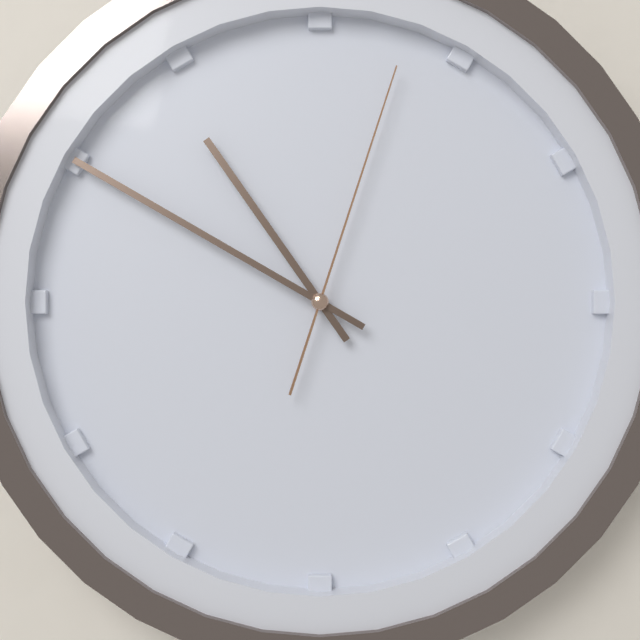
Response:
h=10 m=50 s=3
